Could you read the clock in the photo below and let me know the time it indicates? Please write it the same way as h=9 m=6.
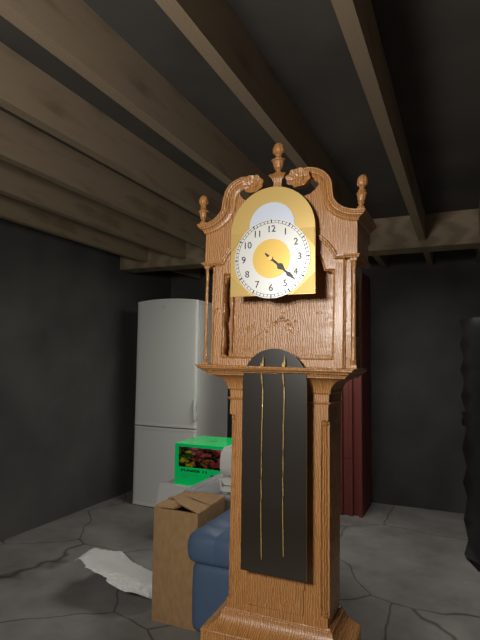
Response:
h=4 m=22
